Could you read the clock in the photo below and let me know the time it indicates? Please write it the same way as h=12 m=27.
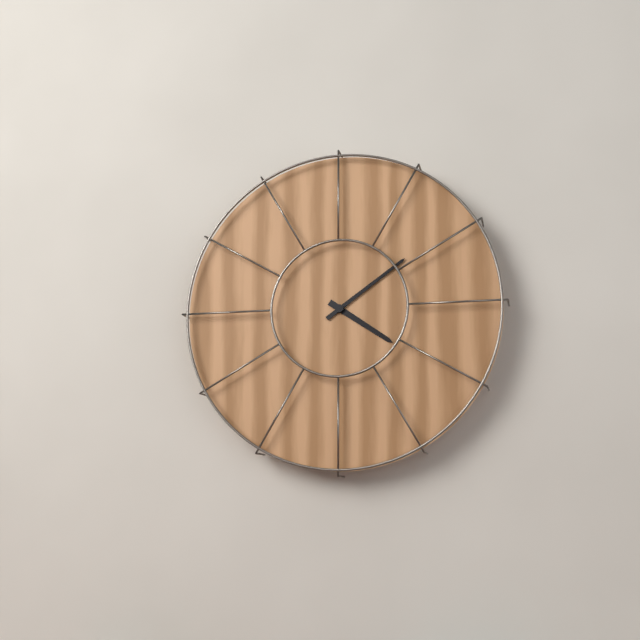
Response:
h=4 m=9
